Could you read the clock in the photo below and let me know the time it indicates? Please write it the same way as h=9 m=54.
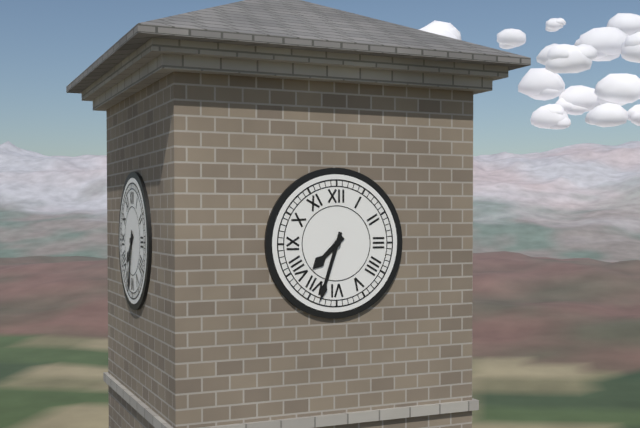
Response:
h=7 m=33
